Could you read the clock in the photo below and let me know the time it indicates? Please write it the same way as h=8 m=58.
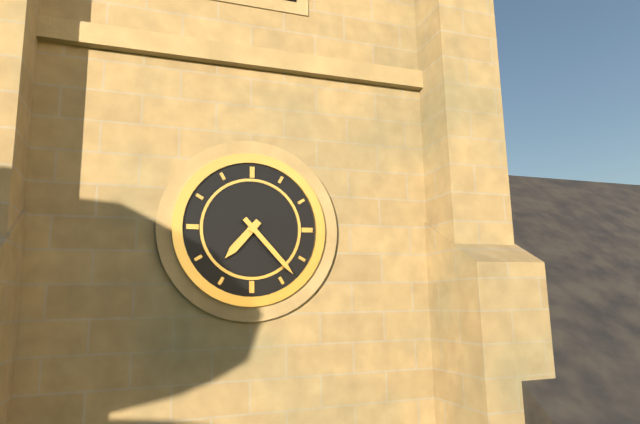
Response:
h=7 m=23
